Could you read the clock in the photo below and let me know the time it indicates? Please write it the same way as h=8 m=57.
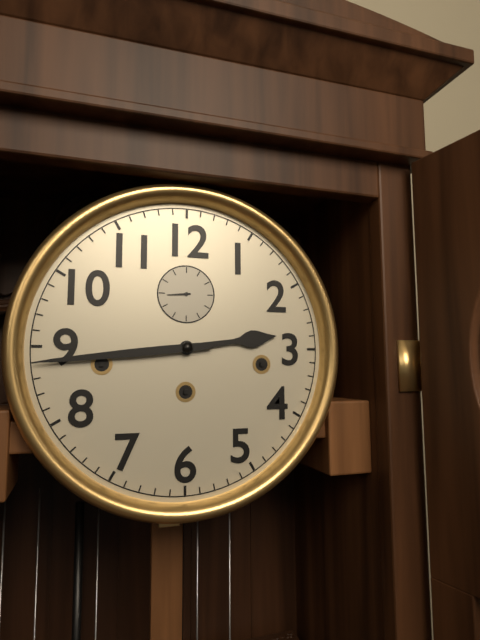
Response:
h=2 m=44
